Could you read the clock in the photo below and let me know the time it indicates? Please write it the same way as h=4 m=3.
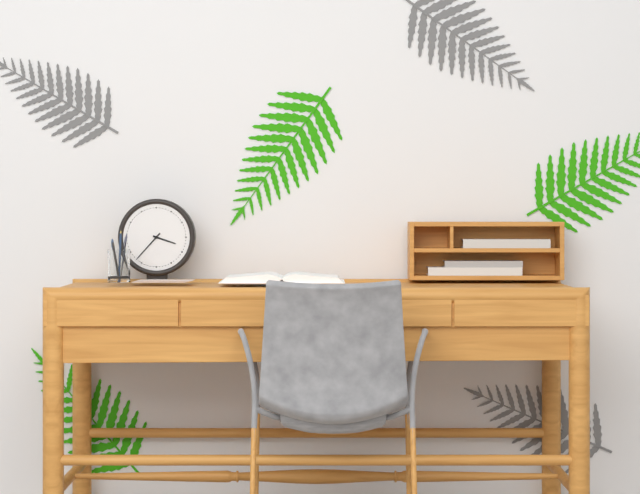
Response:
h=3 m=37
